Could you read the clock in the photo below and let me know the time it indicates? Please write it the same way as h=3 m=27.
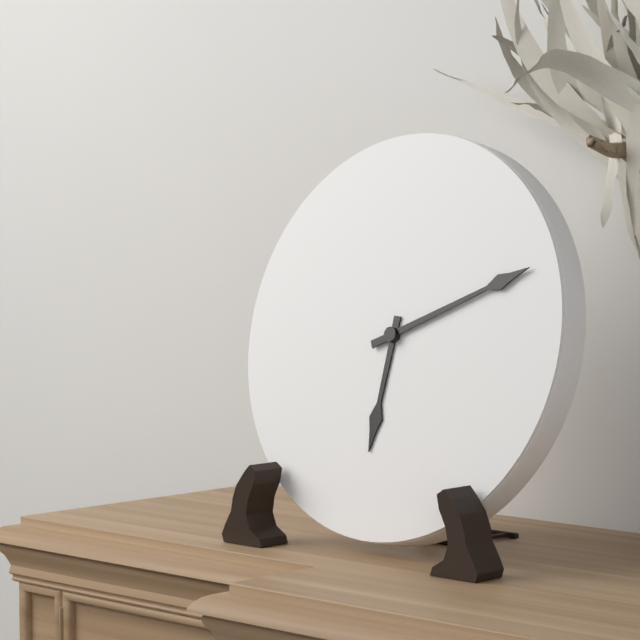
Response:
h=6 m=11
